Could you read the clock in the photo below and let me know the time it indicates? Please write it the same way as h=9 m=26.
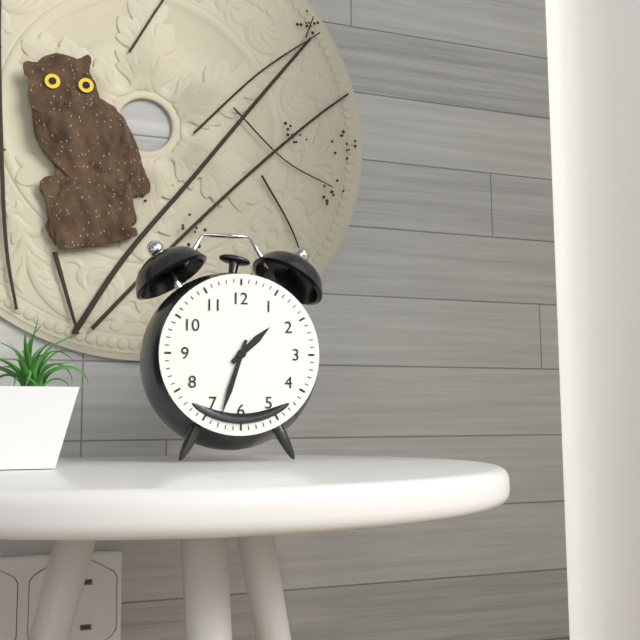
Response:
h=1 m=33
